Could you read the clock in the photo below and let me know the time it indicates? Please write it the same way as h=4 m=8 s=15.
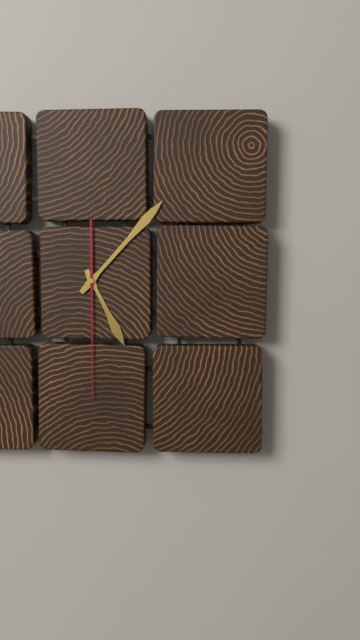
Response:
h=5 m=7 s=30
